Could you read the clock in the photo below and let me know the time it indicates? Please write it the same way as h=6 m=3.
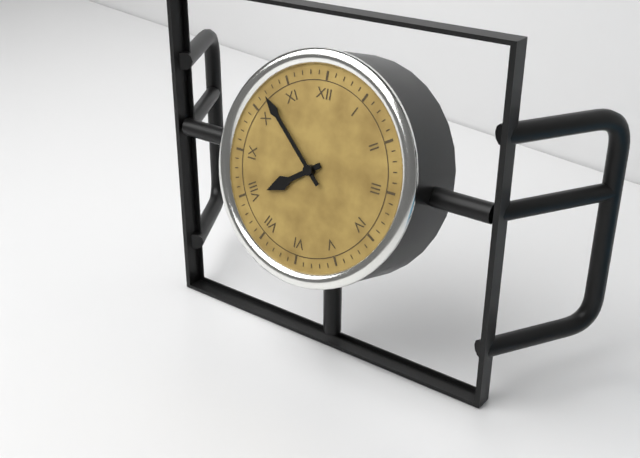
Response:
h=7 m=52
